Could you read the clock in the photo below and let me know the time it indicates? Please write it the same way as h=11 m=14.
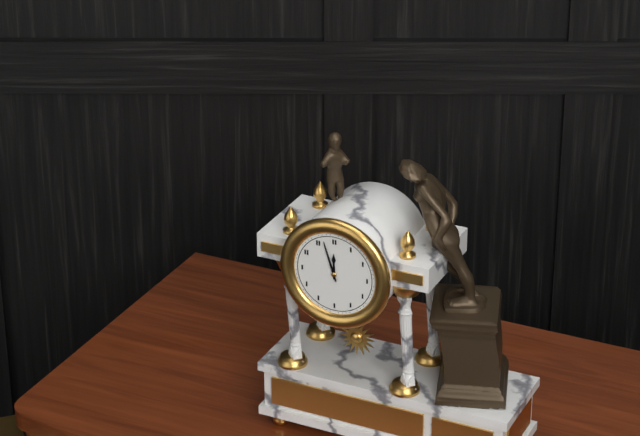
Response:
h=11 m=57
